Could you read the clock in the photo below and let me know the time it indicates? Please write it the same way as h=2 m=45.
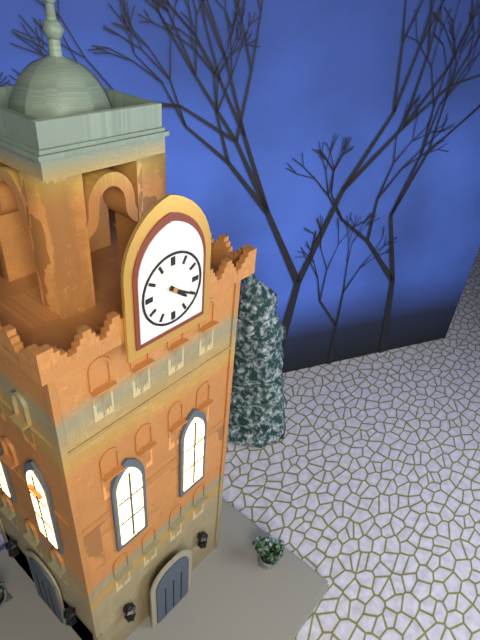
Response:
h=4 m=20
